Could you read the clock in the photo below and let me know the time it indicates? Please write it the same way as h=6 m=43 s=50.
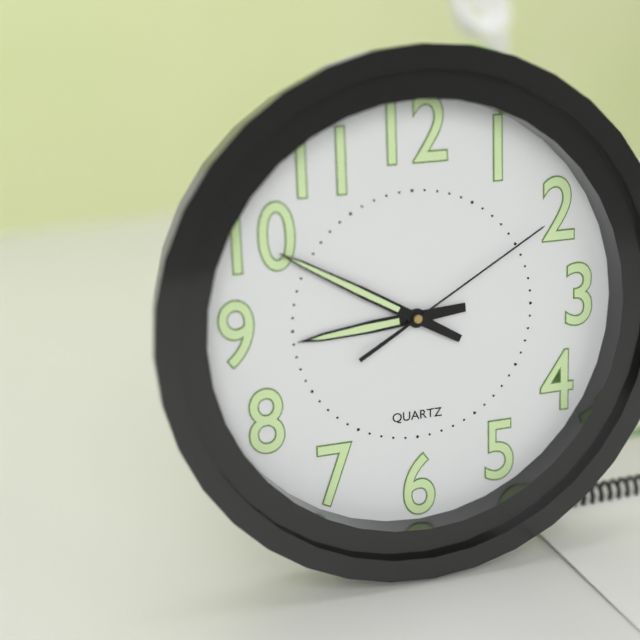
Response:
h=8 m=50 s=10
